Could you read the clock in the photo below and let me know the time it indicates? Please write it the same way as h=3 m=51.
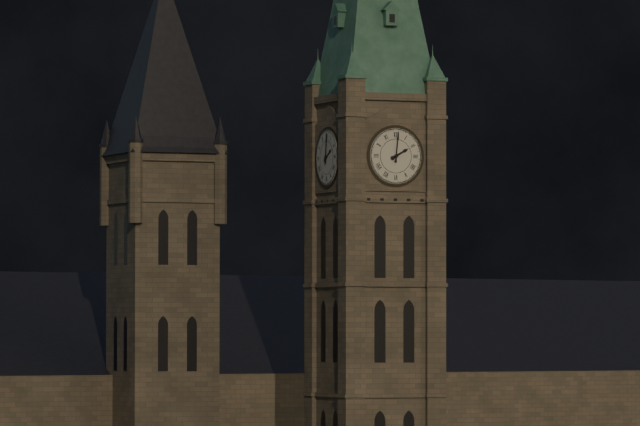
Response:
h=2 m=1
